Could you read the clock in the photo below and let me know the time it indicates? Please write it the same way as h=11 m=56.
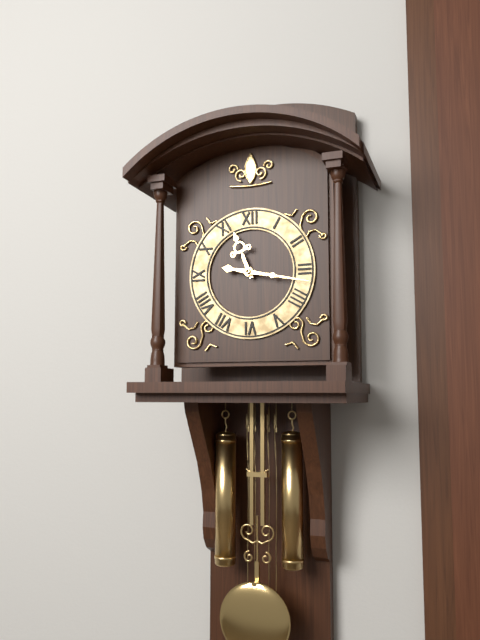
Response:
h=11 m=17
